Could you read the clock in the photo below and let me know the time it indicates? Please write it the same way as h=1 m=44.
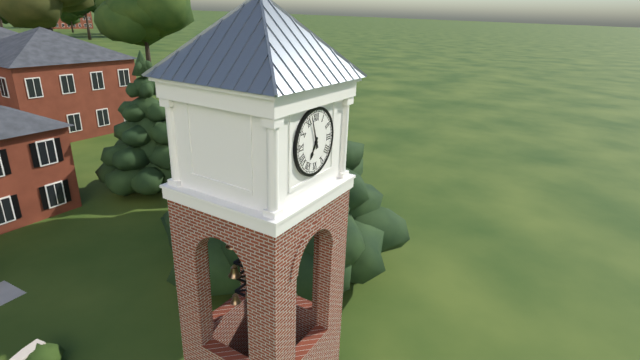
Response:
h=6 m=57
